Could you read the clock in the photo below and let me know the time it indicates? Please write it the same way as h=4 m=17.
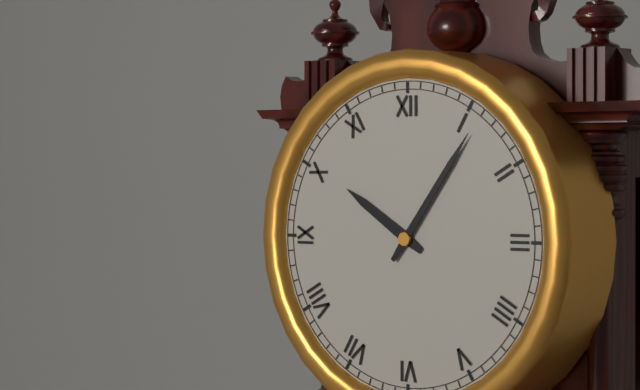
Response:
h=10 m=6
